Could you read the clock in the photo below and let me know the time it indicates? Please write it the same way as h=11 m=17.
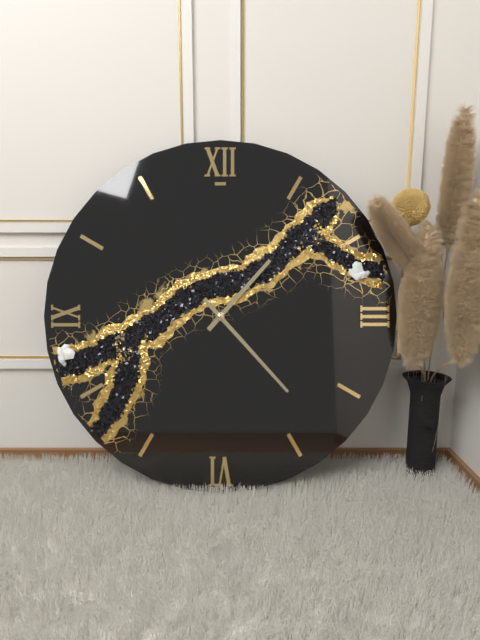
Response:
h=1 m=23
